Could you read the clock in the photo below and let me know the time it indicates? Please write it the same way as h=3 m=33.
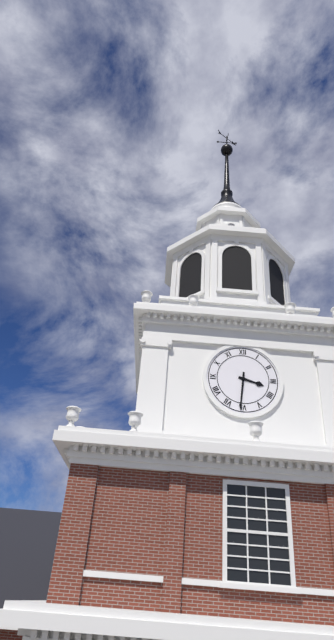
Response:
h=3 m=31
